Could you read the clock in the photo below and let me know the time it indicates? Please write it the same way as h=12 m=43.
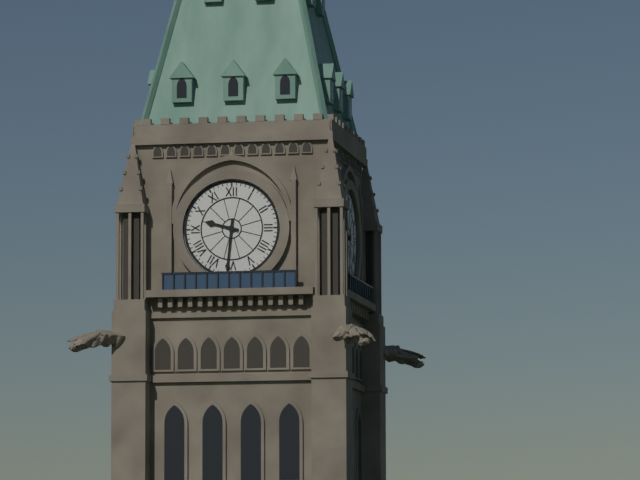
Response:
h=9 m=31
